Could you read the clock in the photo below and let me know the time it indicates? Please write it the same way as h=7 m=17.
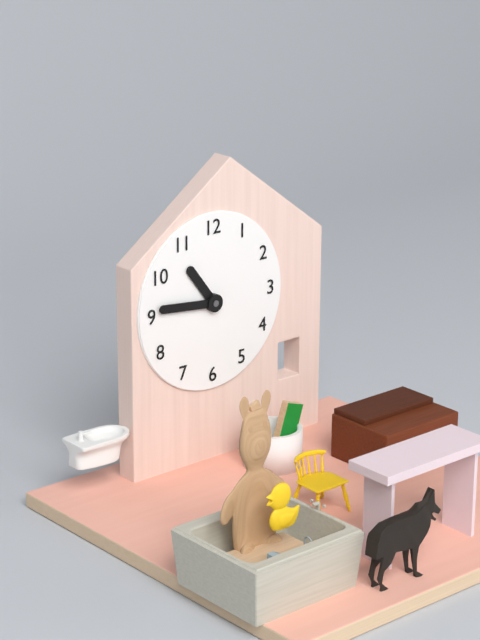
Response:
h=10 m=46
